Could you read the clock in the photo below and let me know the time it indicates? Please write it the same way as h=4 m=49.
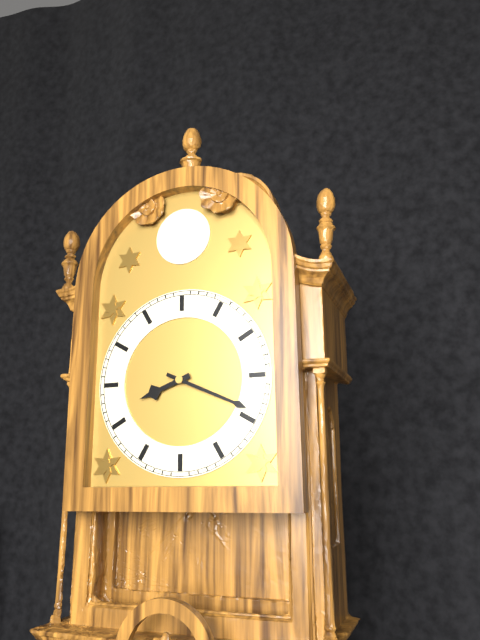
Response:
h=8 m=19
